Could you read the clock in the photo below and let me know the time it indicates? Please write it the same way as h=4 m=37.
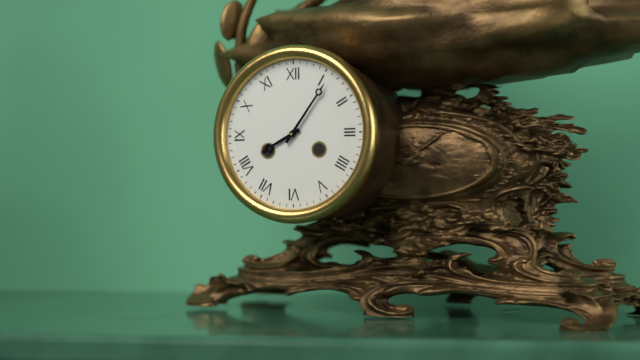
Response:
h=8 m=6
